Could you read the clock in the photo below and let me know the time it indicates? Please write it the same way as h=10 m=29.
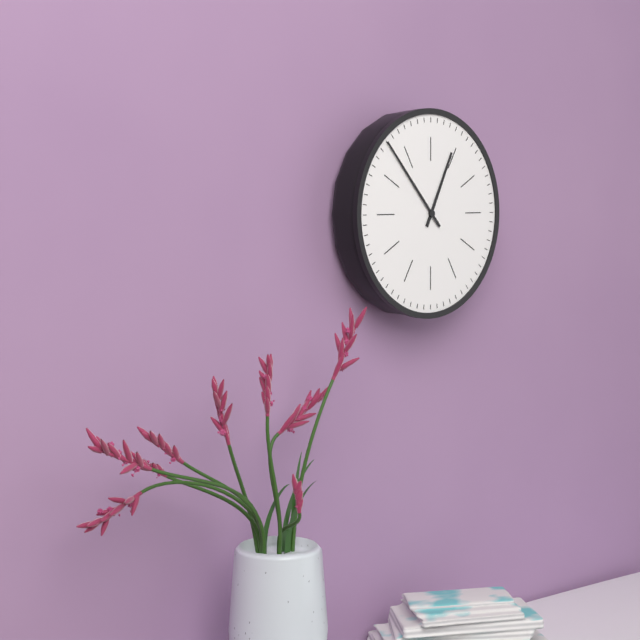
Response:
h=12 m=53
